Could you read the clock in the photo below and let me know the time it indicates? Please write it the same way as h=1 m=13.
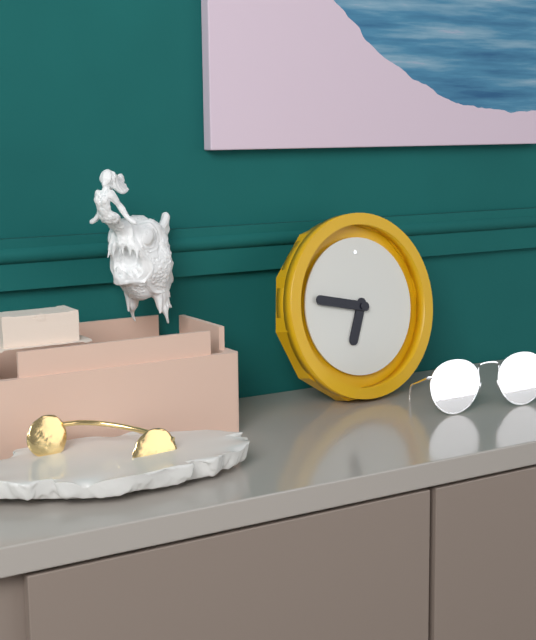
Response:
h=6 m=47
